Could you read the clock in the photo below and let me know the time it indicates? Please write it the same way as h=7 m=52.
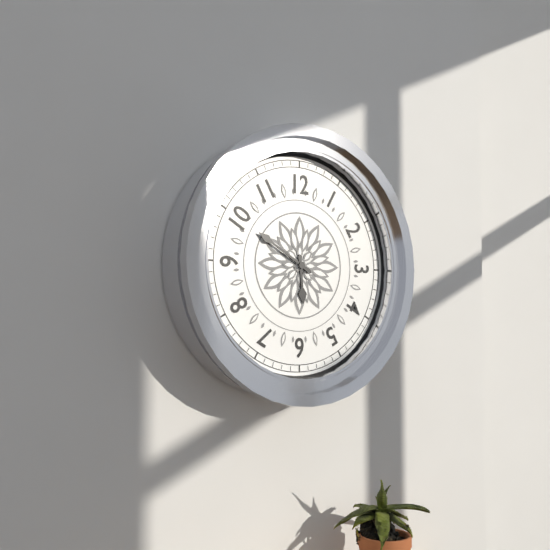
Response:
h=5 m=50
